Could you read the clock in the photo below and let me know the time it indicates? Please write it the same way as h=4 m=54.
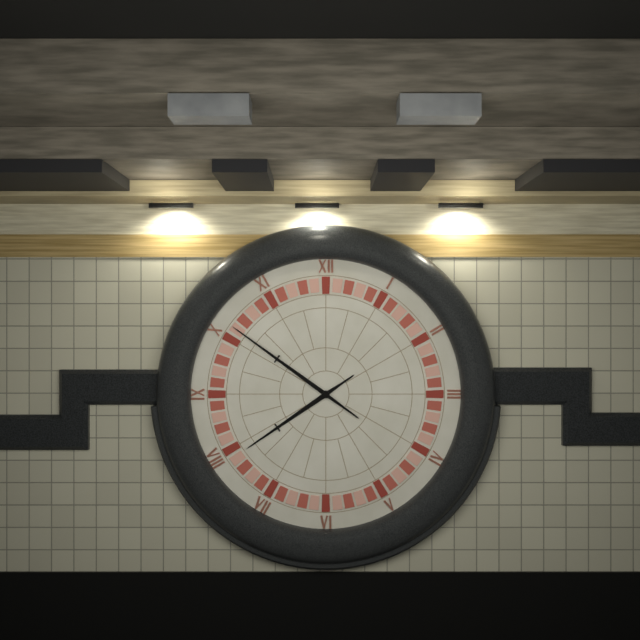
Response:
h=7 m=51
